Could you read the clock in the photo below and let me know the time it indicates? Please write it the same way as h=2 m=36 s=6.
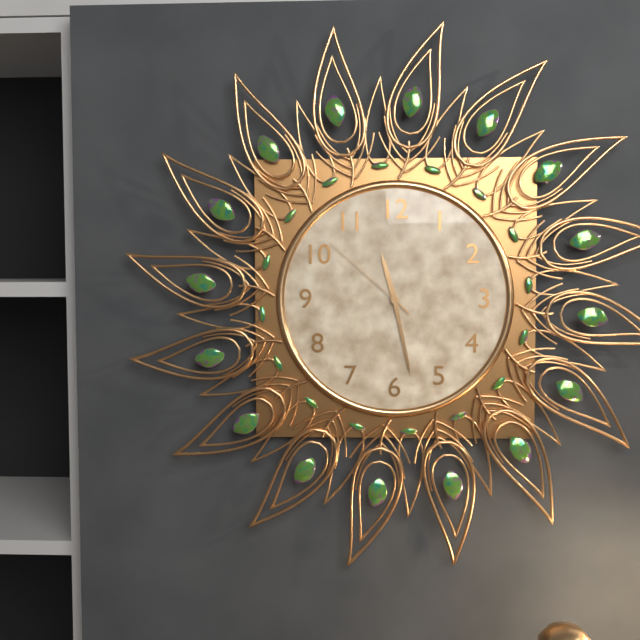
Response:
h=11 m=28 s=52
